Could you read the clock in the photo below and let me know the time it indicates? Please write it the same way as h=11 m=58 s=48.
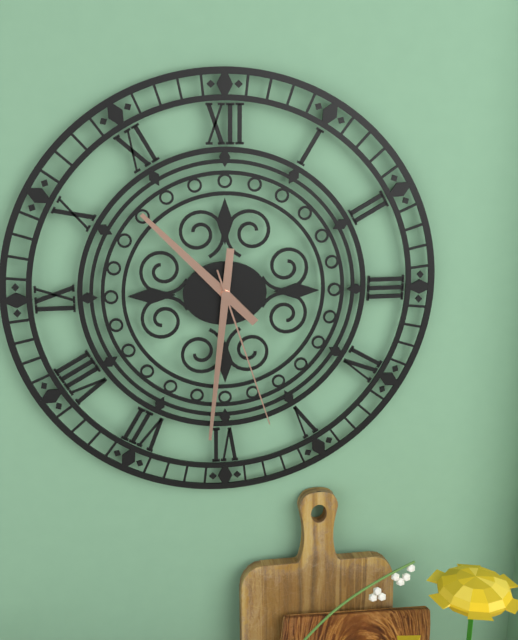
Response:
h=10 m=31 s=27
